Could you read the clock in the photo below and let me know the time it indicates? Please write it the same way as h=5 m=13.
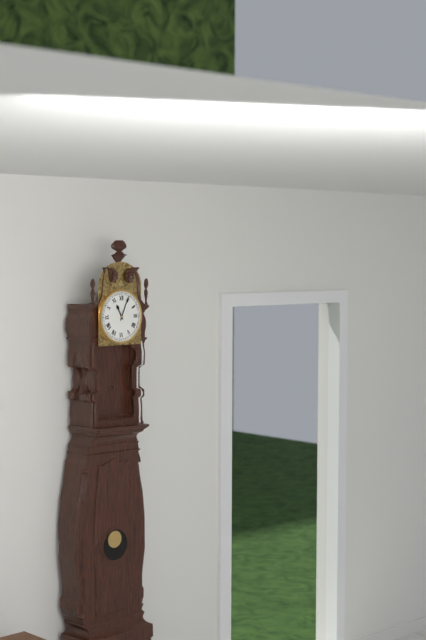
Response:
h=11 m=4
